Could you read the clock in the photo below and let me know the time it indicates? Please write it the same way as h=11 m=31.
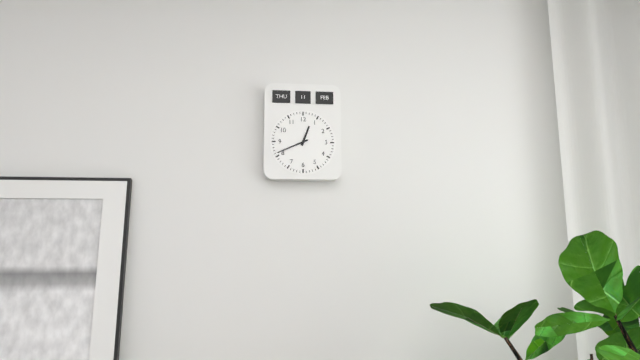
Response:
h=12 m=41
